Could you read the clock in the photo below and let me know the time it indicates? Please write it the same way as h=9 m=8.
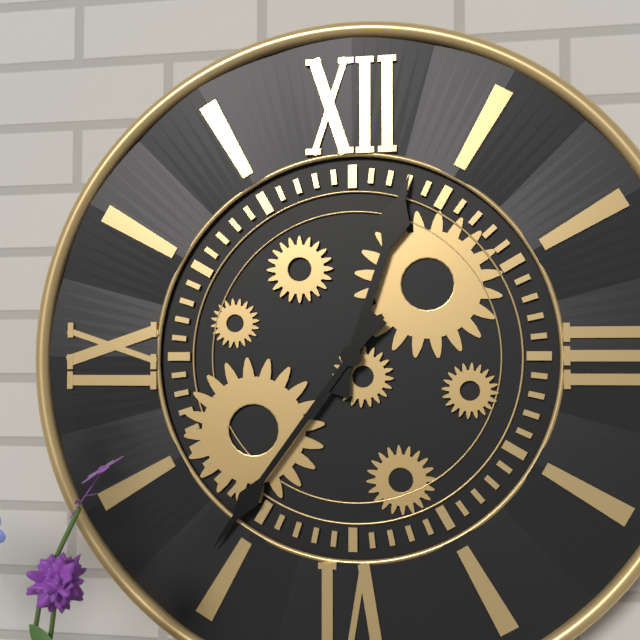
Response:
h=12 m=36
